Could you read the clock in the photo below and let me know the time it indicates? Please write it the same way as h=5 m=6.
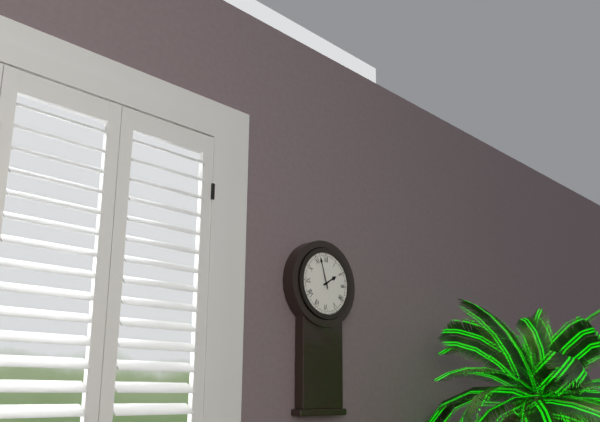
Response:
h=1 m=57
